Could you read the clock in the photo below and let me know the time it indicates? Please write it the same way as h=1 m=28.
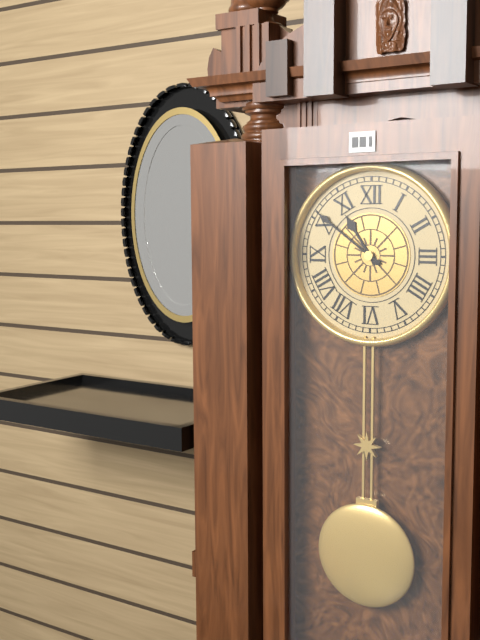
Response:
h=10 m=51
